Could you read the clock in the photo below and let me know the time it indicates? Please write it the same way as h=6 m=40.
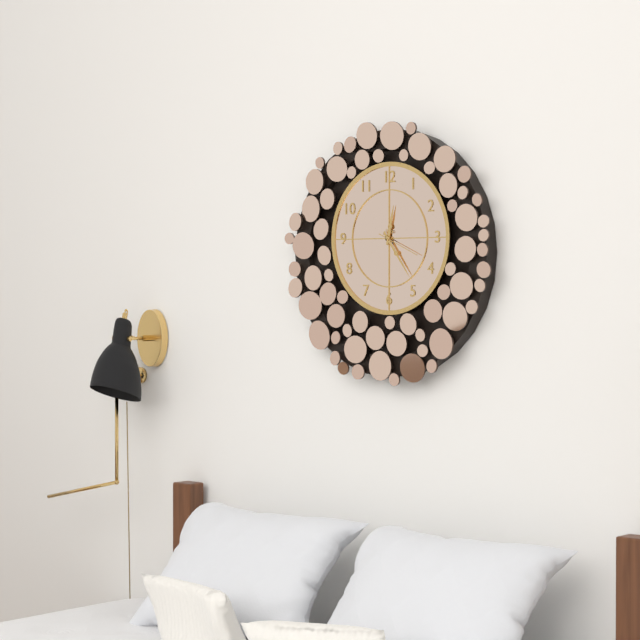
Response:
h=12 m=24
